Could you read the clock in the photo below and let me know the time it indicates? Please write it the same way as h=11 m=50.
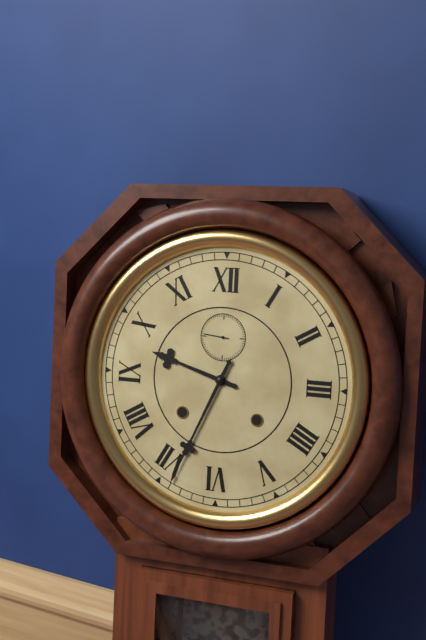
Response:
h=9 m=34
